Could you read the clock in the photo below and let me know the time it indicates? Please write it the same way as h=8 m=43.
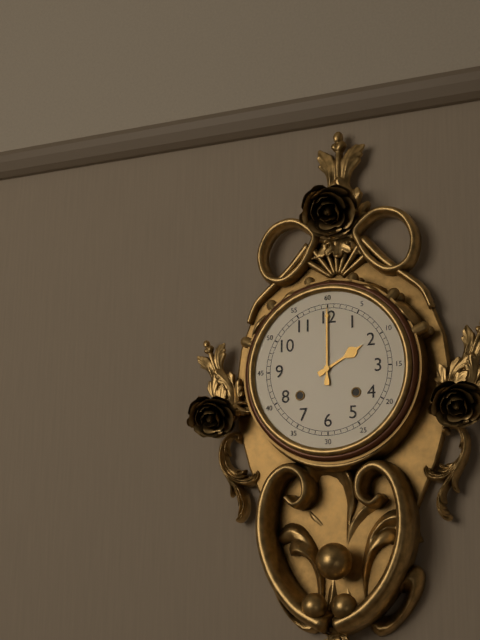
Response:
h=2 m=0
